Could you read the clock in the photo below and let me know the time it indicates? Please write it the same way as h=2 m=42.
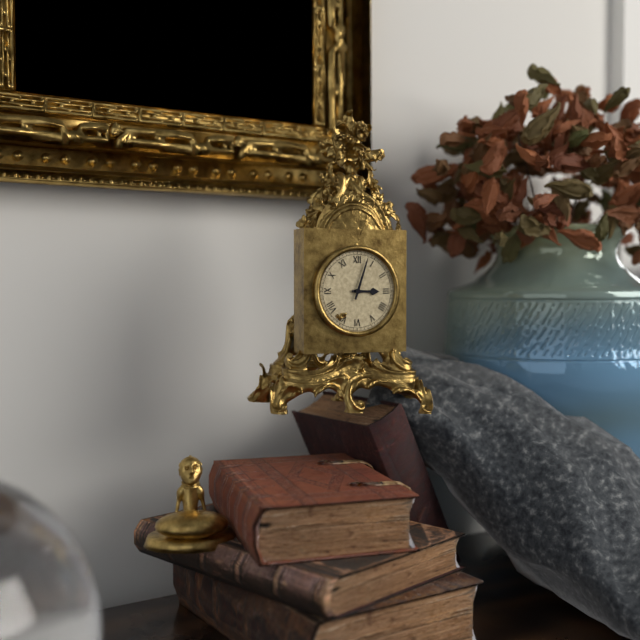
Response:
h=3 m=3
